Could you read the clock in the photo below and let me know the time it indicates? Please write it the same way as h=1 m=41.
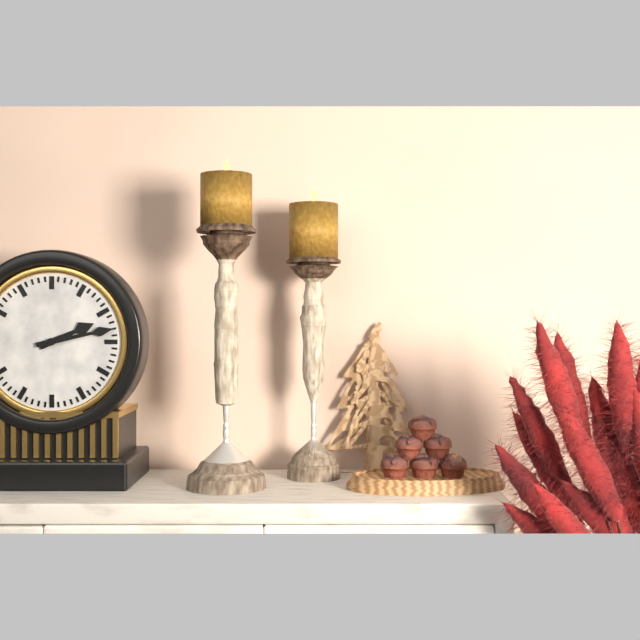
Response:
h=2 m=13
